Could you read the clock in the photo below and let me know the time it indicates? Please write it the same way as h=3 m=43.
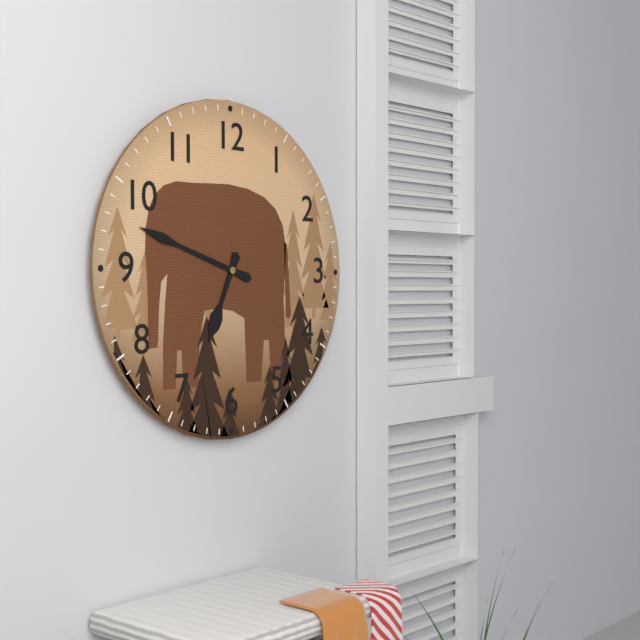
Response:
h=6 m=48
